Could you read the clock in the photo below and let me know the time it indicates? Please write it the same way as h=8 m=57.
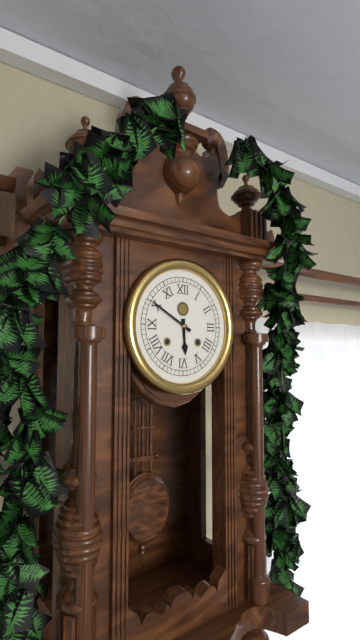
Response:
h=5 m=50
